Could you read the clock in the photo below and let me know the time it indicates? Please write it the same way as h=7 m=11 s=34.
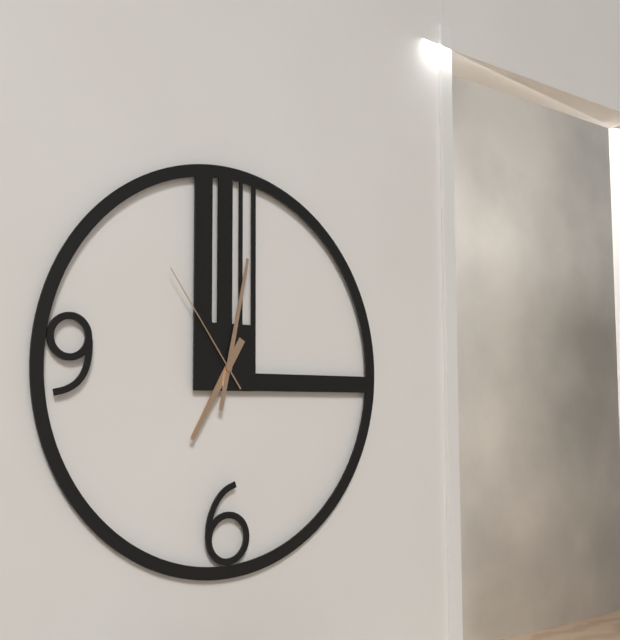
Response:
h=7 m=2 s=54
